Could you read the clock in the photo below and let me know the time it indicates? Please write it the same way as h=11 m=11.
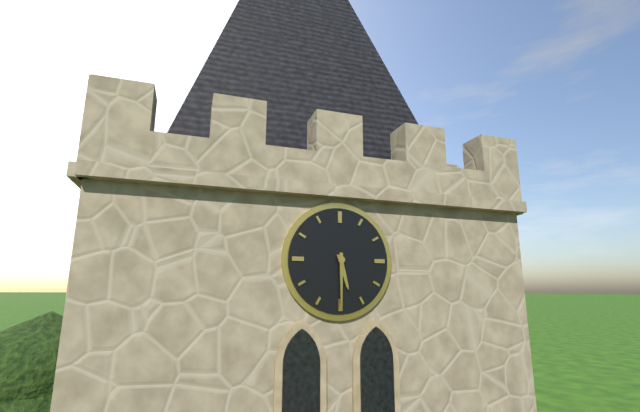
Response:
h=5 m=30
